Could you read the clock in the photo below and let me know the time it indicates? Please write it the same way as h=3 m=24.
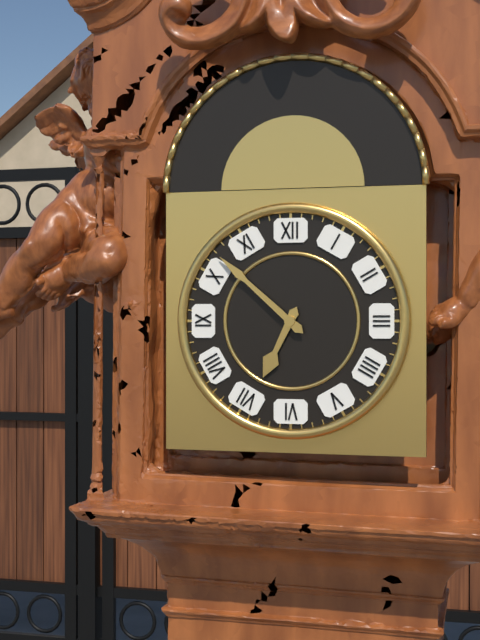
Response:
h=6 m=52
